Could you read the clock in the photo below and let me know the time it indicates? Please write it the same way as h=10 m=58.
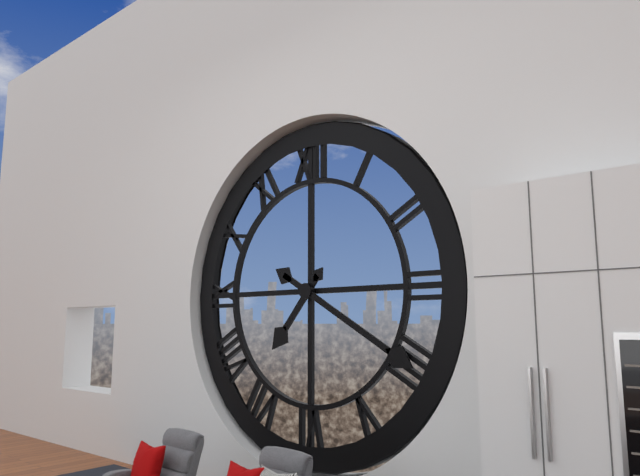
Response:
h=7 m=20
